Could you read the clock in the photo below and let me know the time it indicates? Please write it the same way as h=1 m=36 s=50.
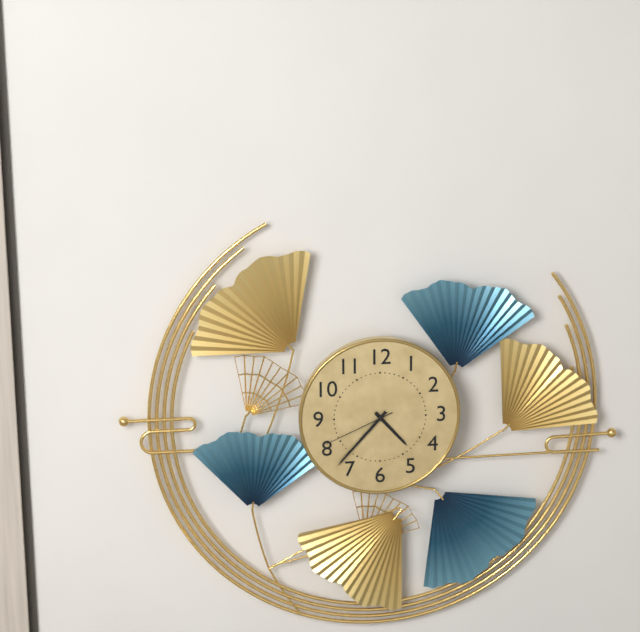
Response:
h=4 m=37 s=41
